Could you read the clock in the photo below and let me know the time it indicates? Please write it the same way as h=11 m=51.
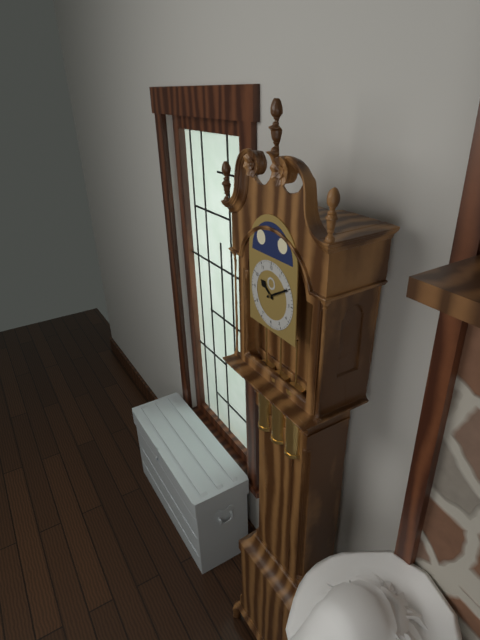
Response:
h=10 m=10
